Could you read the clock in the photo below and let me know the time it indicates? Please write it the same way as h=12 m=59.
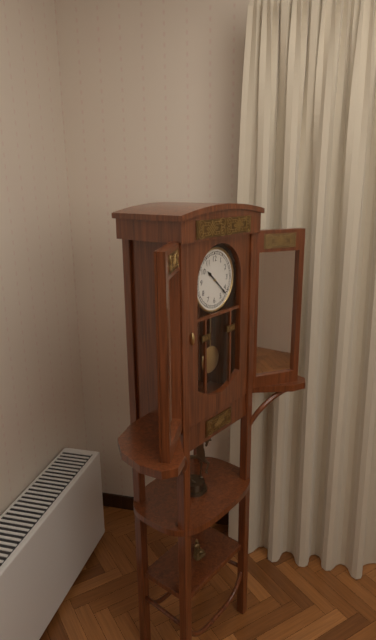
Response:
h=10 m=22
